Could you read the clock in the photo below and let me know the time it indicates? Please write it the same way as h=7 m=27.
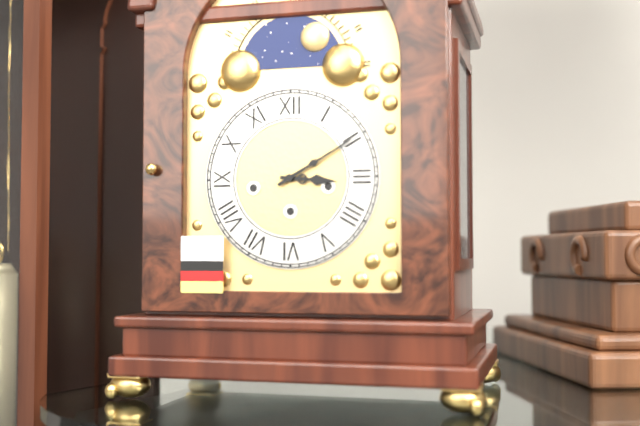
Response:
h=3 m=10
